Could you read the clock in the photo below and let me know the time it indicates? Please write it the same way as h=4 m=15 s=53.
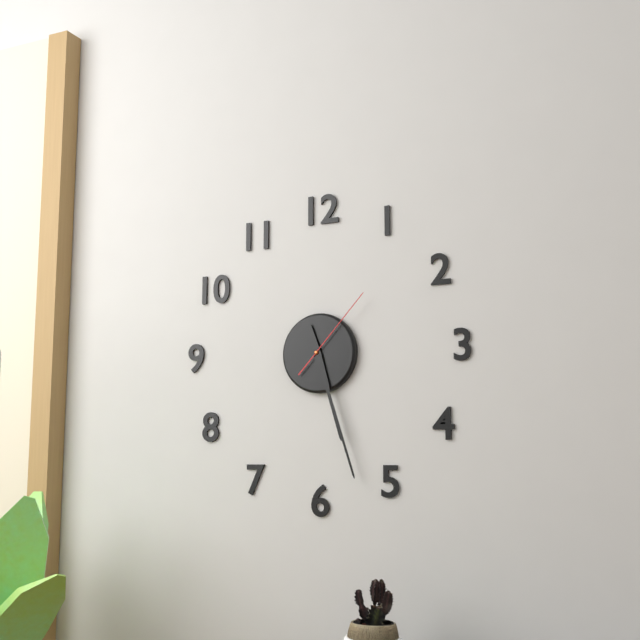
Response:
h=5 m=27 s=7
